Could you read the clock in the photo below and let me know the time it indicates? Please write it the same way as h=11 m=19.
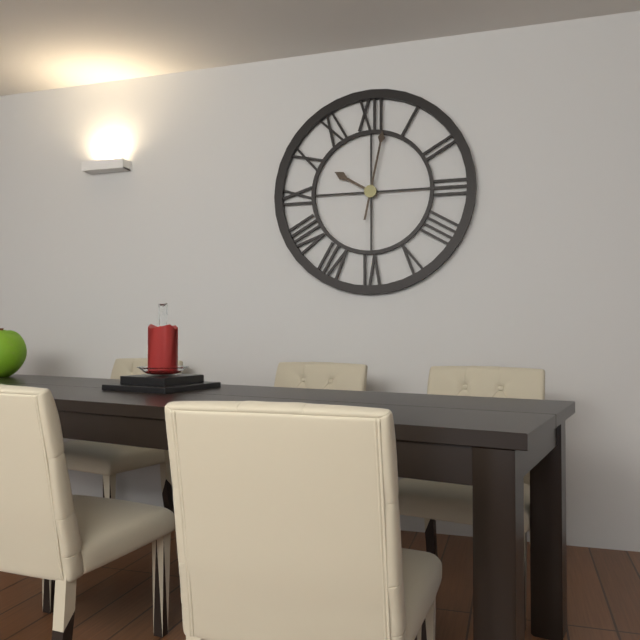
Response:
h=10 m=2
